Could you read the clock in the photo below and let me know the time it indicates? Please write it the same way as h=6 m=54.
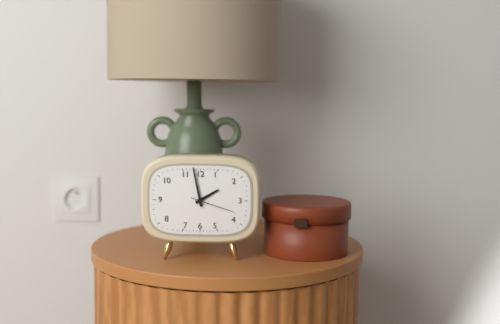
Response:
h=1 m=58
